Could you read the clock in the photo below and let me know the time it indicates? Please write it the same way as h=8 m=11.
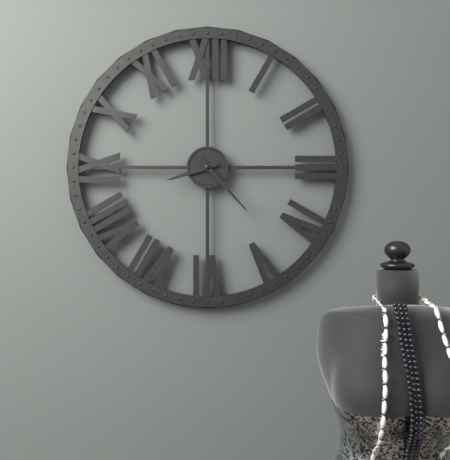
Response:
h=8 m=23
